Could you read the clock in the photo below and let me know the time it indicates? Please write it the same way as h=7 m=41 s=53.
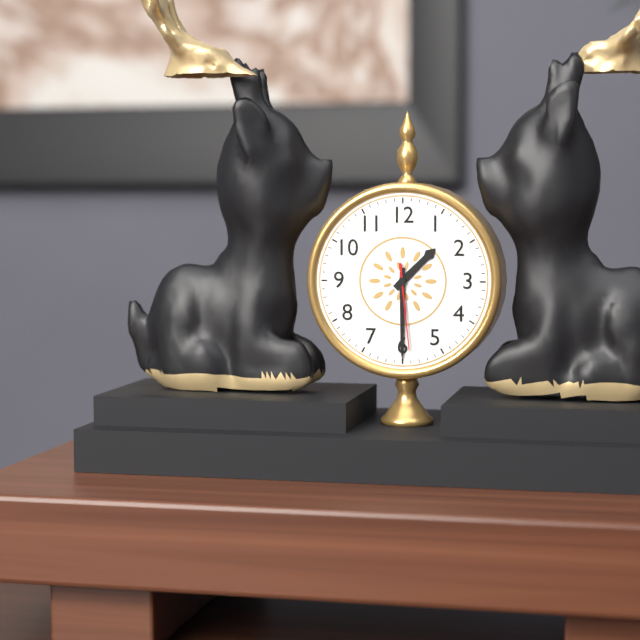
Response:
h=1 m=30 s=29
